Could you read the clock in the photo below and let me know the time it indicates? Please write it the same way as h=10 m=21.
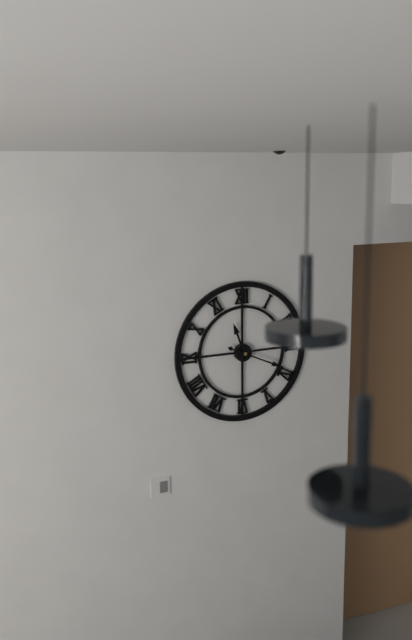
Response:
h=11 m=19
